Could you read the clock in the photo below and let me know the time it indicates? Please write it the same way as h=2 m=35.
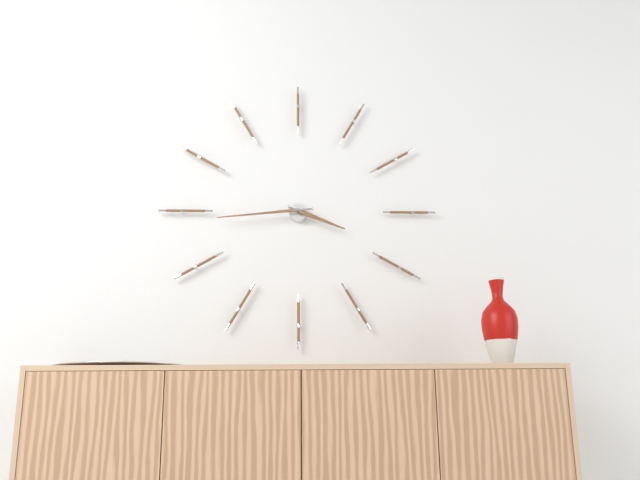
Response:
h=3 m=44
